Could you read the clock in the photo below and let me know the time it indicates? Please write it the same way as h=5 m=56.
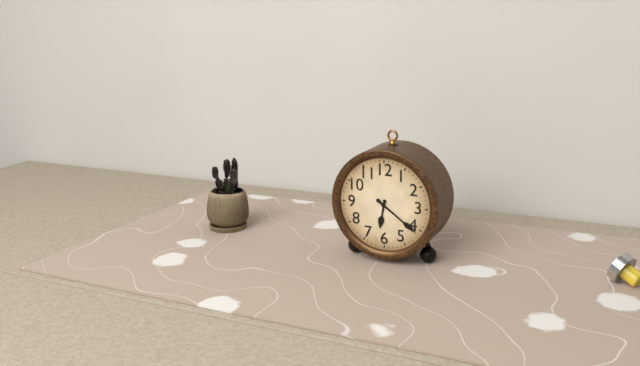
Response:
h=6 m=21
